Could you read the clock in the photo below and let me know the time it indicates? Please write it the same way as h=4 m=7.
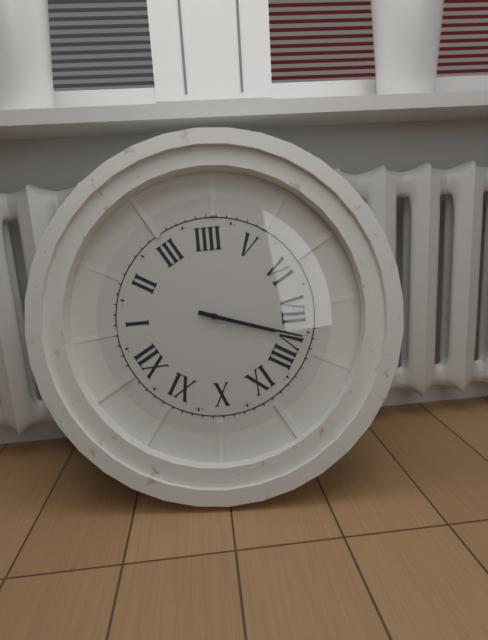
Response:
h=7 m=38
